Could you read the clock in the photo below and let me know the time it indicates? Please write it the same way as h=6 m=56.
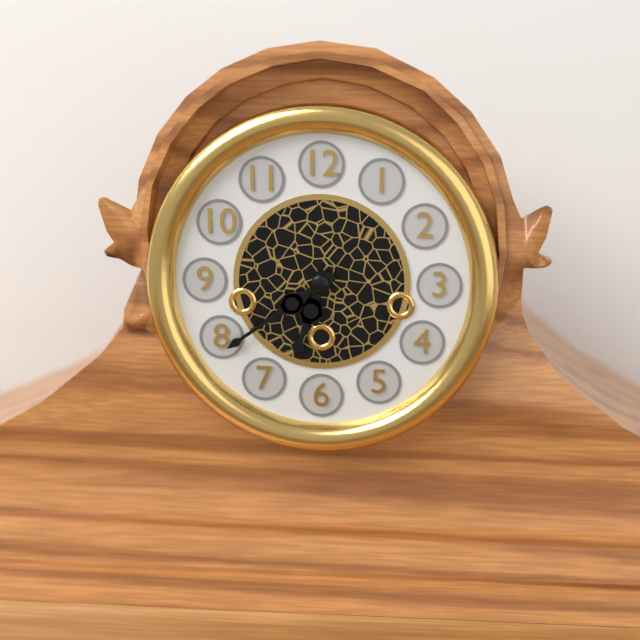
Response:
h=6 m=39
